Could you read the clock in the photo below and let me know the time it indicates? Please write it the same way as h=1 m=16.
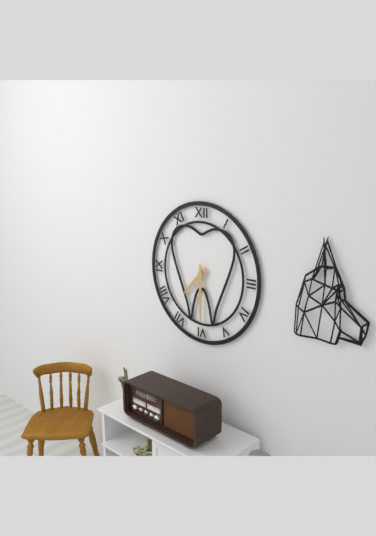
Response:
h=7 m=30
